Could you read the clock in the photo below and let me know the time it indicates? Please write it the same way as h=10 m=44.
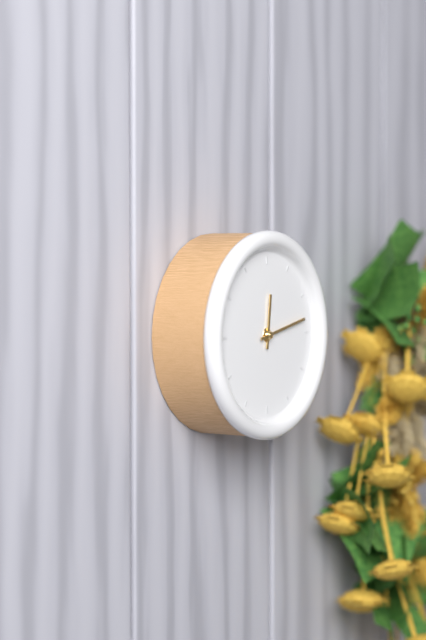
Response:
h=12 m=13
